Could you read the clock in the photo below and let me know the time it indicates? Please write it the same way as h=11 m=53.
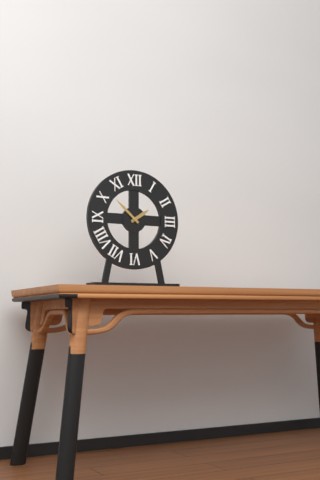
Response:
h=1 m=52
